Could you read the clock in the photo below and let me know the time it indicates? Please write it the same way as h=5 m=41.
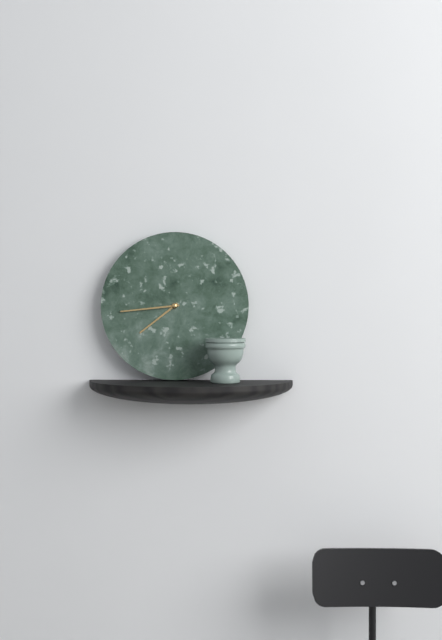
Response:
h=7 m=44
